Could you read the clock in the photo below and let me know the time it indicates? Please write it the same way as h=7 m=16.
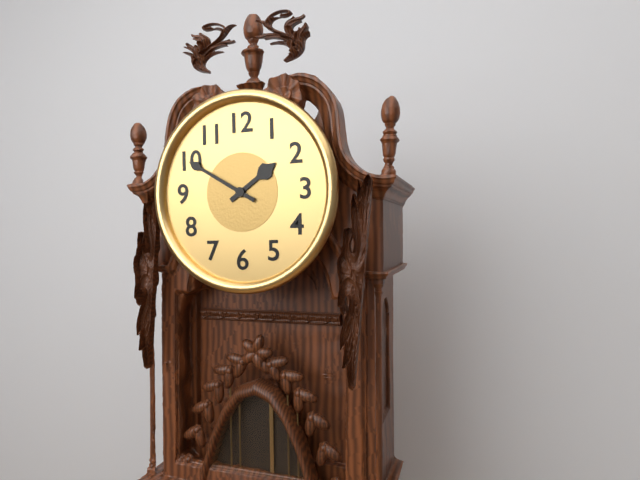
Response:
h=1 m=50
